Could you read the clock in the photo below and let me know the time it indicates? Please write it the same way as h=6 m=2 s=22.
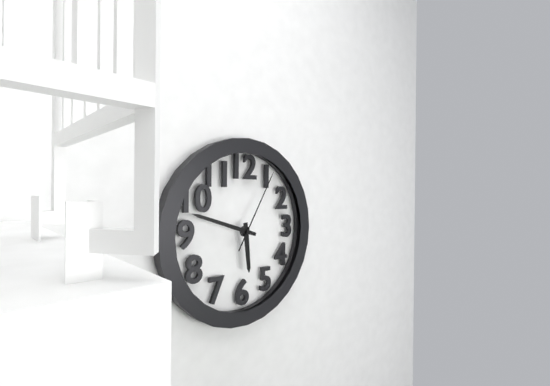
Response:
h=5 m=48 s=5
